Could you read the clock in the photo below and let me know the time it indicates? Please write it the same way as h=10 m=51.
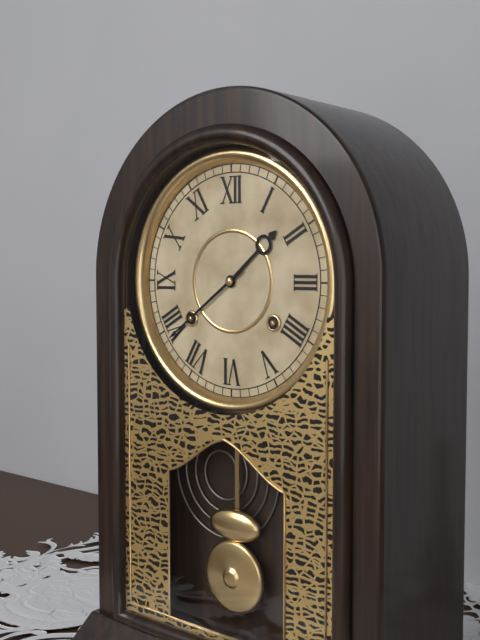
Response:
h=1 m=39
